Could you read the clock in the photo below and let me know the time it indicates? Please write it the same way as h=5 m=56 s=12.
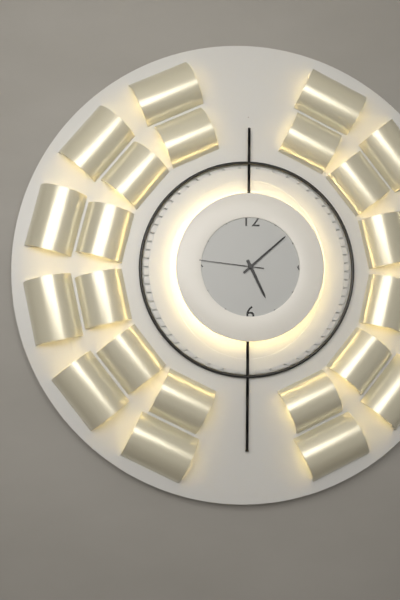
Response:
h=5 m=8 s=46
